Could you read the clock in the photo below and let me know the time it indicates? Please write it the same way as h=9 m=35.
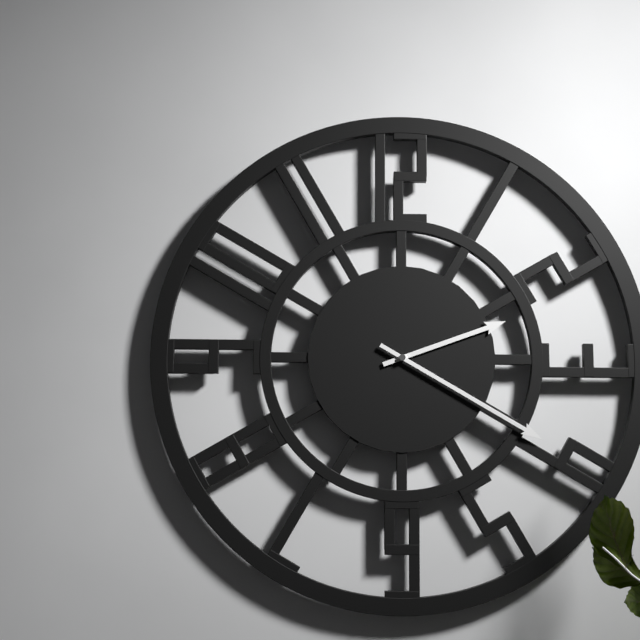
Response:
h=2 m=20
